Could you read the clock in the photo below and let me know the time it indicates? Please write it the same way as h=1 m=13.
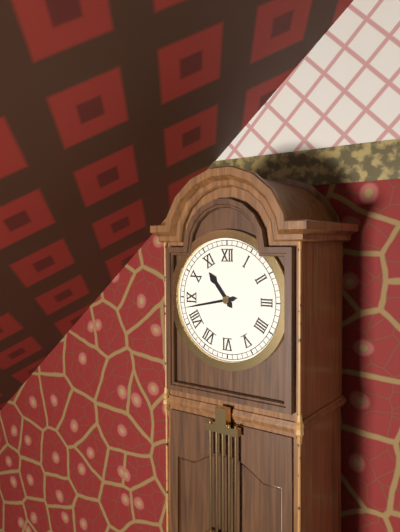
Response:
h=10 m=43
